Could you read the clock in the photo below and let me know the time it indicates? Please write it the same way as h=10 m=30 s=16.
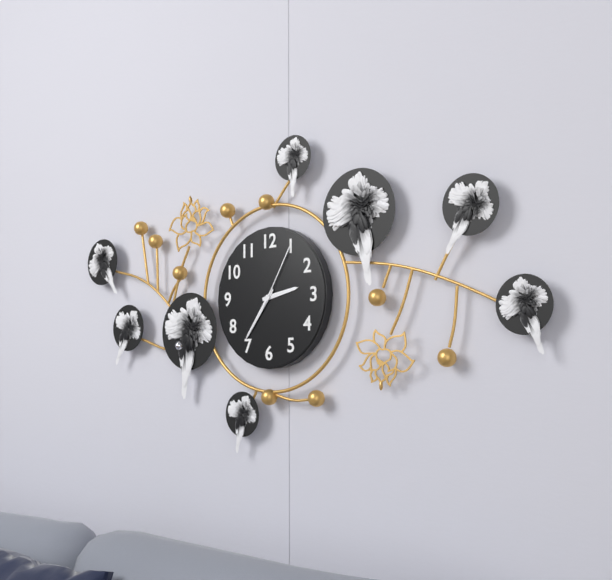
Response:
h=2 m=36 s=5
